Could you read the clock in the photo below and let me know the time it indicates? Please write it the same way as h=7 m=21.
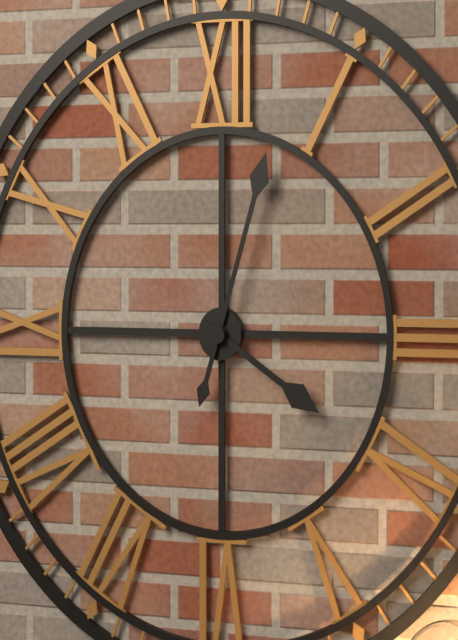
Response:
h=4 m=3
